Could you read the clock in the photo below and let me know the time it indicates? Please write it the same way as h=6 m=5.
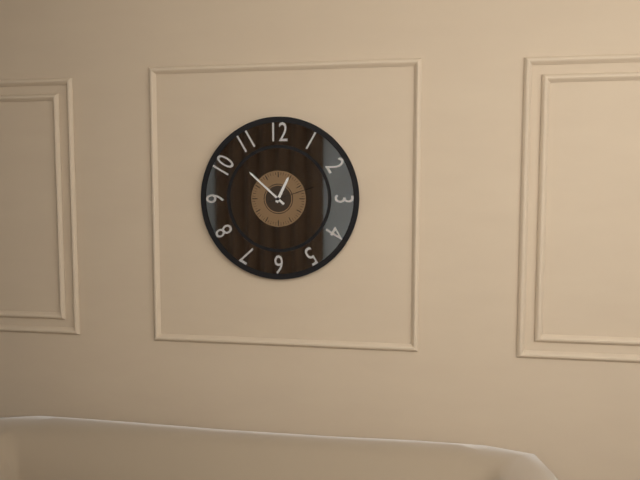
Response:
h=12 m=52
